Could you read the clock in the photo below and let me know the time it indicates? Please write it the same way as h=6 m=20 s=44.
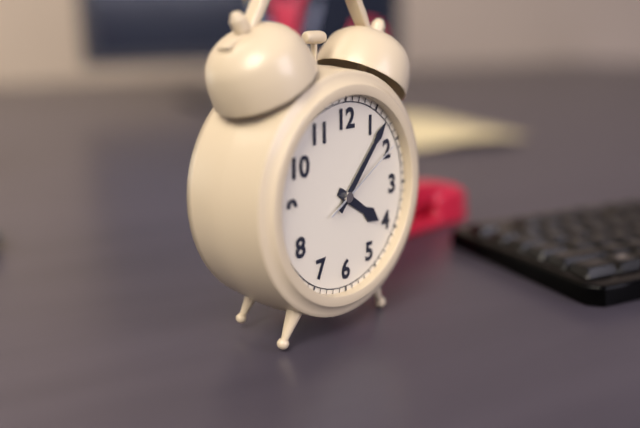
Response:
h=4 m=7 s=10
